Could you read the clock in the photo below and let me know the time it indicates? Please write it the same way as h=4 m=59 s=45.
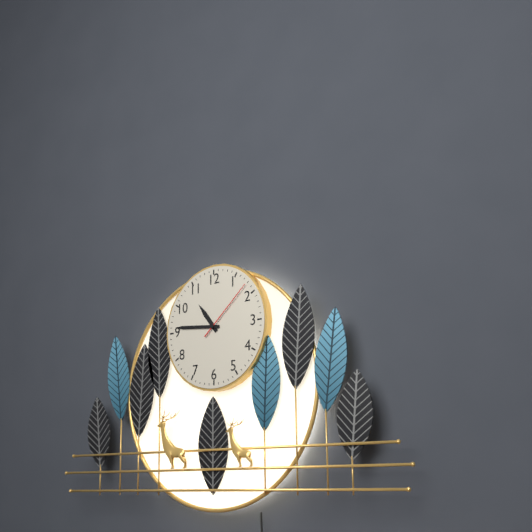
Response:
h=10 m=46 s=8
